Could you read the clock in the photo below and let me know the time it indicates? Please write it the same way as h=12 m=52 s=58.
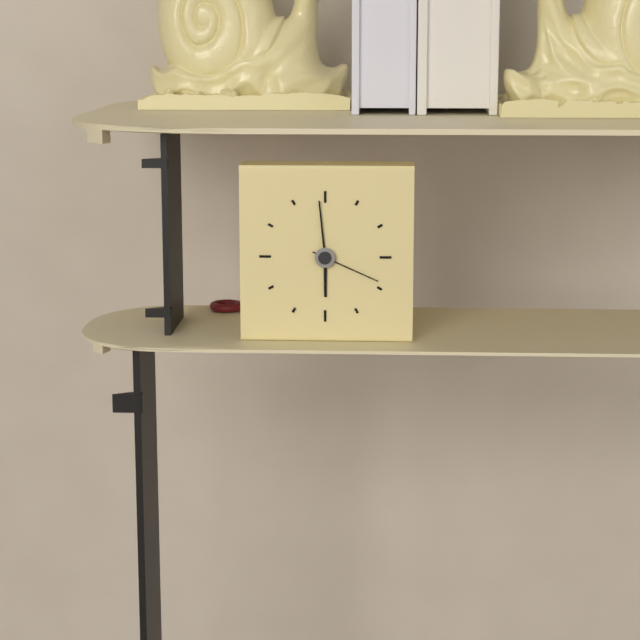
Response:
h=5 m=59 s=19
